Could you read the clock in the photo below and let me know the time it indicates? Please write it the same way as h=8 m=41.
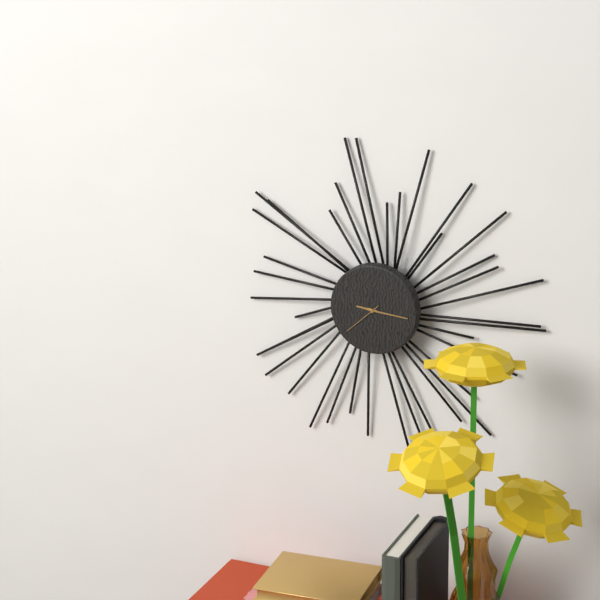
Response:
h=9 m=16
